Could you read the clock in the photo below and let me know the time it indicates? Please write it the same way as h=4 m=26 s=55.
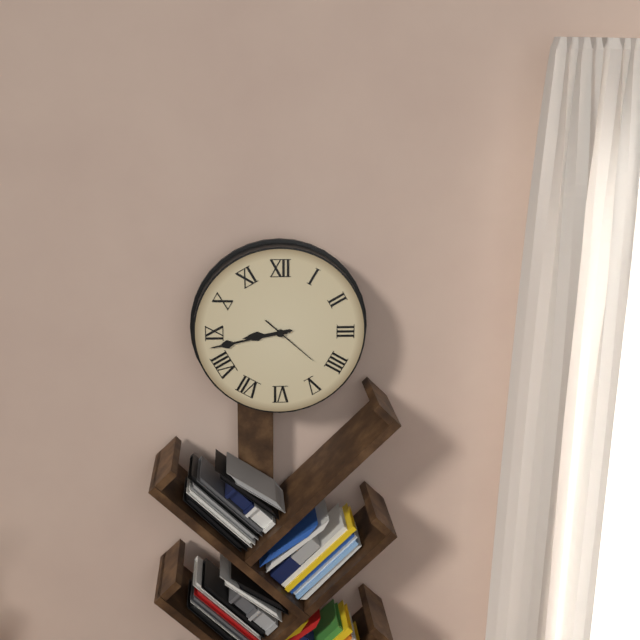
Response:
h=8 m=43 s=22
